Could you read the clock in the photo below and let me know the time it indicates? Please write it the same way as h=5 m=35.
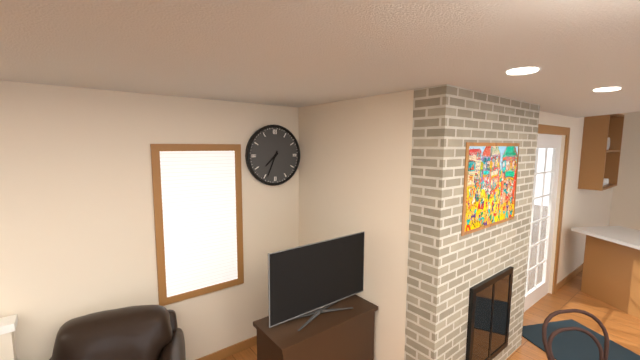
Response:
h=7 m=34
